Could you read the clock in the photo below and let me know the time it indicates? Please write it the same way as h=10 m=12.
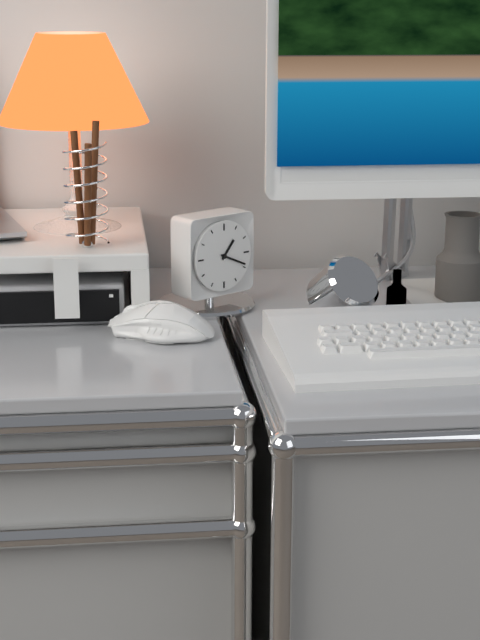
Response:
h=1 m=19
